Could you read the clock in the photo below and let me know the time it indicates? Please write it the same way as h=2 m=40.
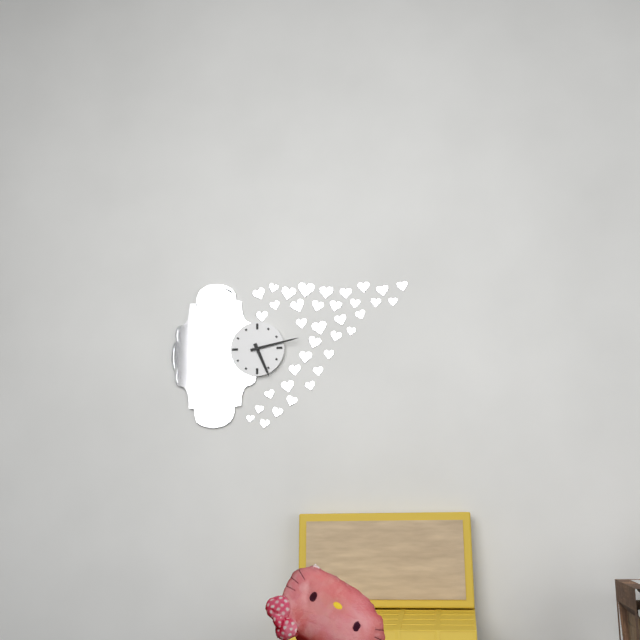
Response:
h=5 m=13
